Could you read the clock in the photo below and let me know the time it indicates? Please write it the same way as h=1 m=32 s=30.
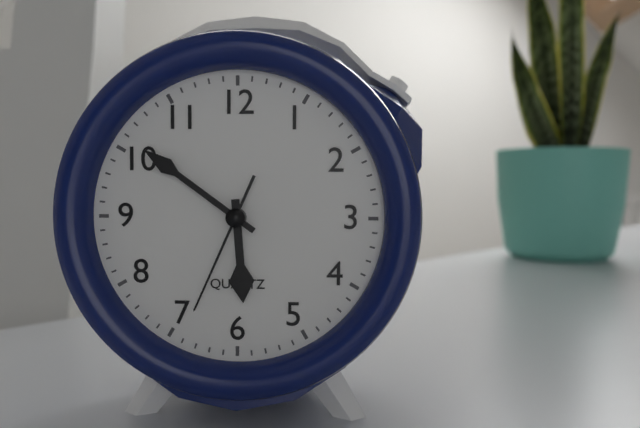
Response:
h=5 m=51 s=34
